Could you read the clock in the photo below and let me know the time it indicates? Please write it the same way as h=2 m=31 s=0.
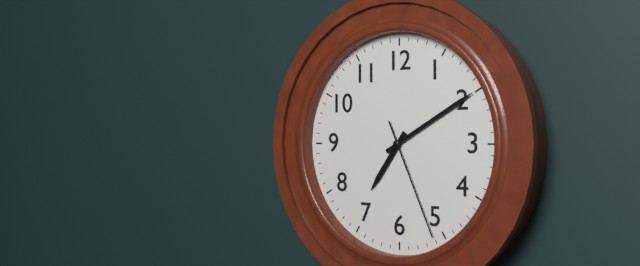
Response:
h=7 m=10 s=26
